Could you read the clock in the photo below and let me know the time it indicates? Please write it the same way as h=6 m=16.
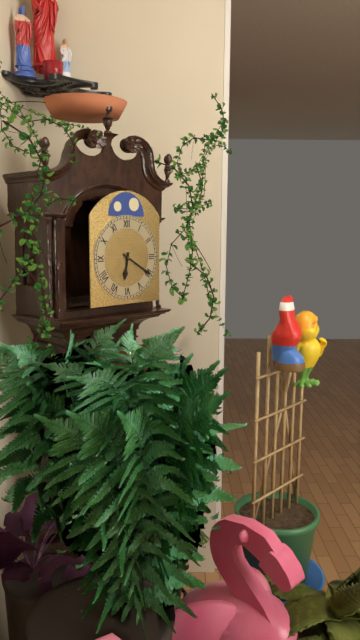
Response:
h=6 m=20
